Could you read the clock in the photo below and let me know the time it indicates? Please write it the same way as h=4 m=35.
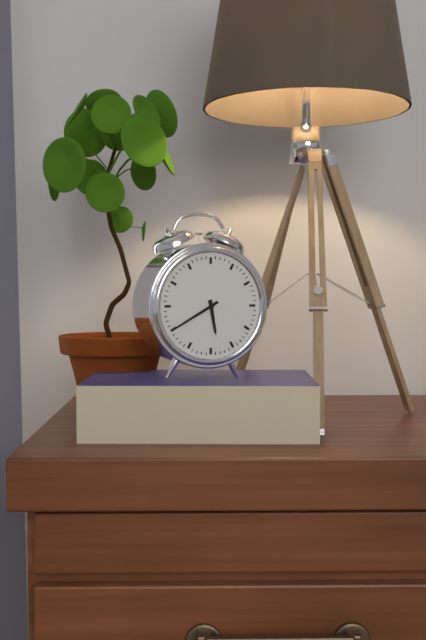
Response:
h=5 m=40
